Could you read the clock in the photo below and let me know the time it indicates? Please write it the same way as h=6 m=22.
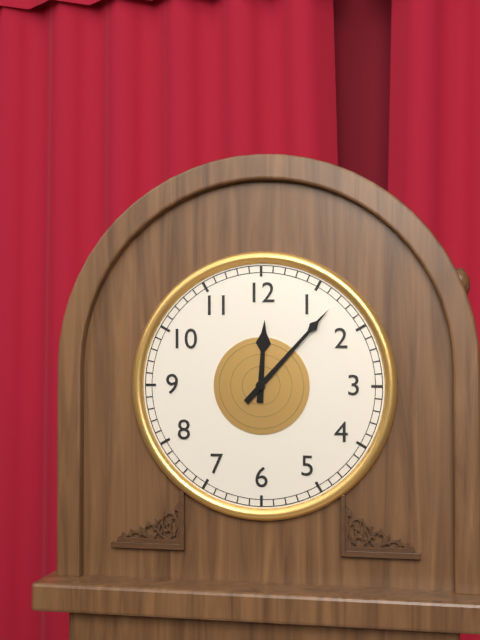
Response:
h=12 m=7
